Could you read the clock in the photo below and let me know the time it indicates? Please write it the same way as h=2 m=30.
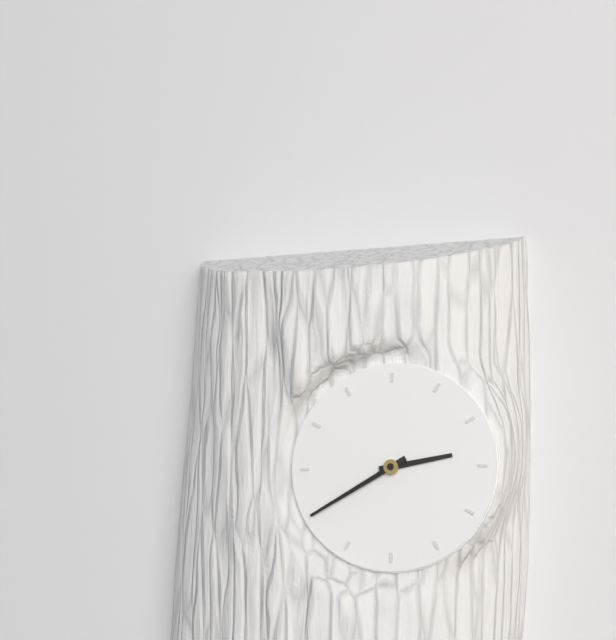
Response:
h=2 m=40
